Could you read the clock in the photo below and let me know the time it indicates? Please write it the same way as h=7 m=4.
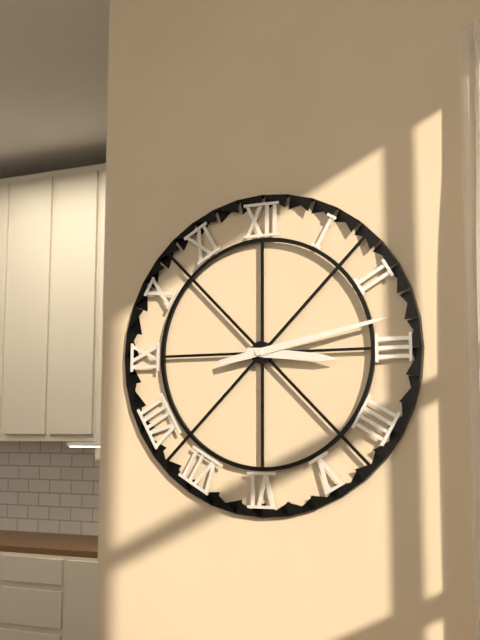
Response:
h=3 m=13
